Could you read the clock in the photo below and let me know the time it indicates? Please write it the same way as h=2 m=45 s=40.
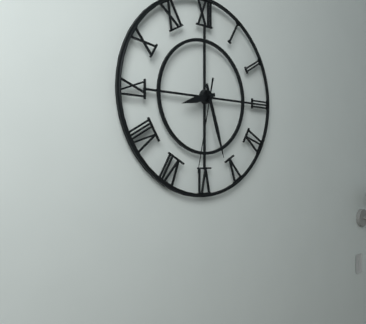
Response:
h=8 m=27 s=32
